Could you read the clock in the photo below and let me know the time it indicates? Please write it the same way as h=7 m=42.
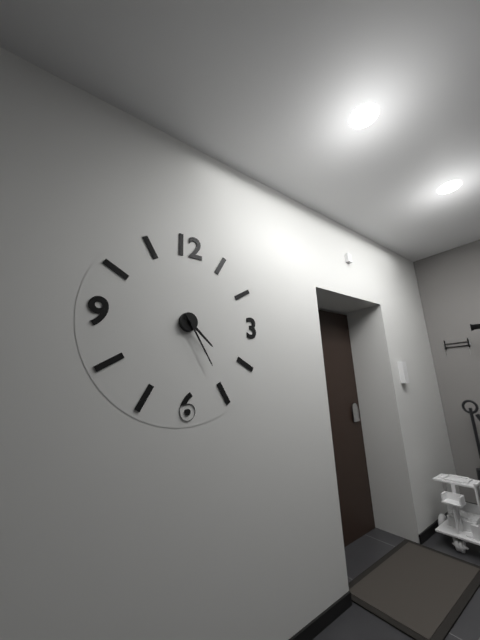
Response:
h=4 m=25
